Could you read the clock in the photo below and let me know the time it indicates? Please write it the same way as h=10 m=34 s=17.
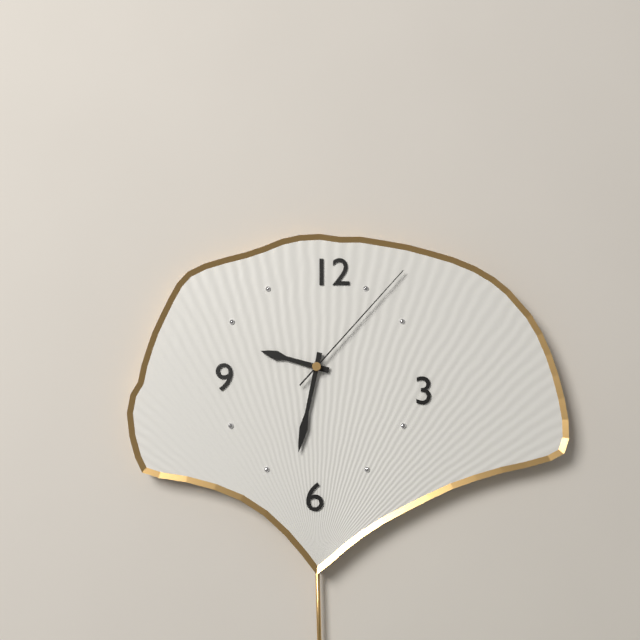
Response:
h=9 m=32 s=7
